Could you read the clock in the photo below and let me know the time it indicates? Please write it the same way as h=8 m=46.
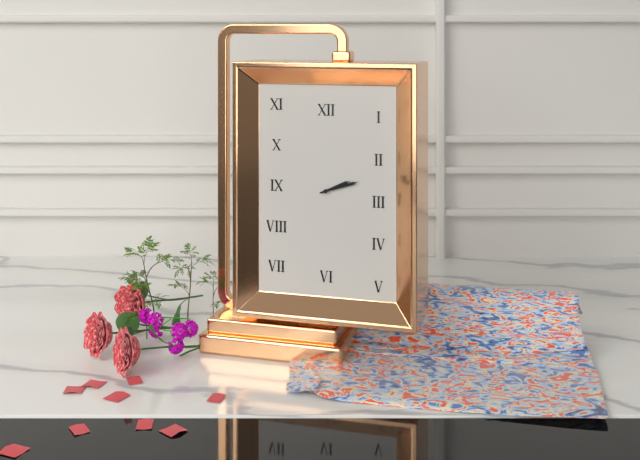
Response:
h=2 m=12
